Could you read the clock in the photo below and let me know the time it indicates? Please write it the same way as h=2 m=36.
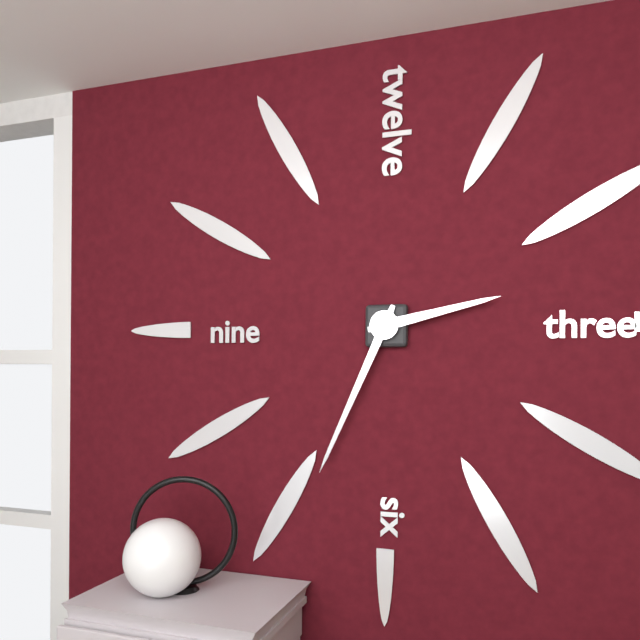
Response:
h=2 m=34
